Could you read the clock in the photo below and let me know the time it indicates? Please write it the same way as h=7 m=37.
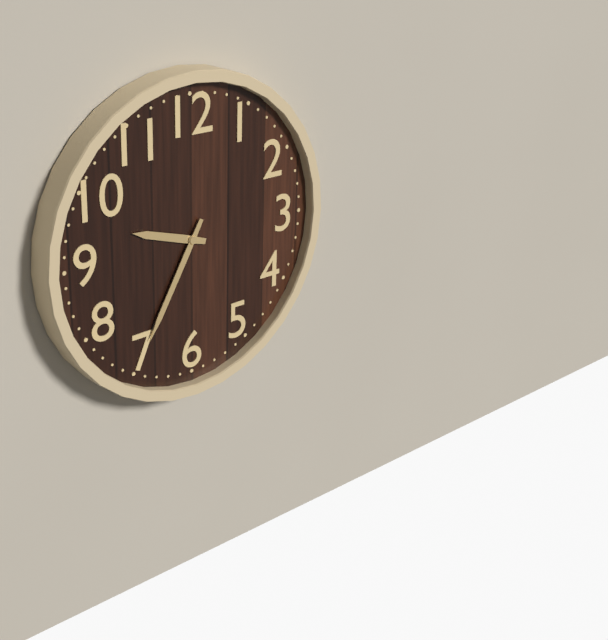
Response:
h=9 m=35
